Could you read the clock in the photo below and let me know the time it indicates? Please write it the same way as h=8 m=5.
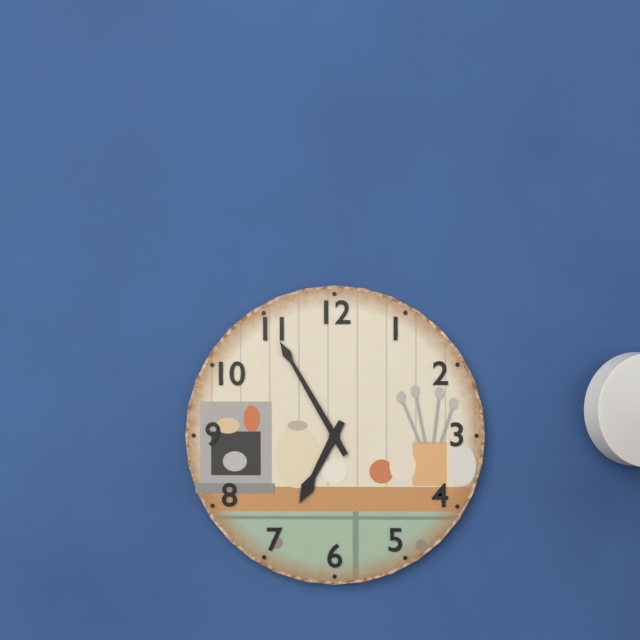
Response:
h=6 m=55
